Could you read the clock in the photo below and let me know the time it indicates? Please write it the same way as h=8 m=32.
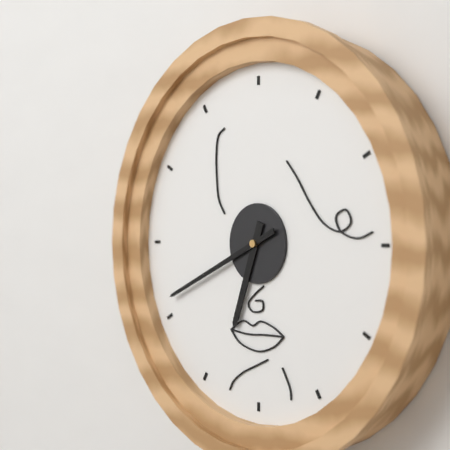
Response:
h=6 m=41
